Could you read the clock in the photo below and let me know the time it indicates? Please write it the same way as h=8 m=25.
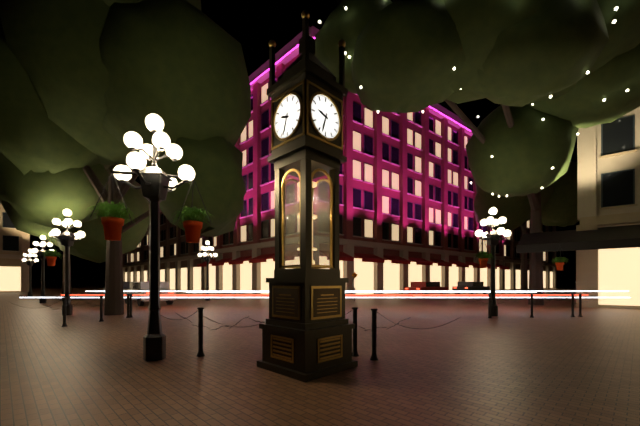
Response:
h=9 m=33
